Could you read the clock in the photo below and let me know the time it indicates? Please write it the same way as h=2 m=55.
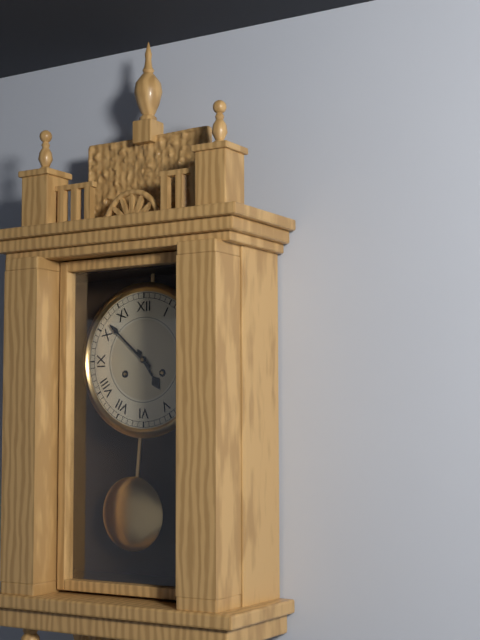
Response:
h=4 m=52
